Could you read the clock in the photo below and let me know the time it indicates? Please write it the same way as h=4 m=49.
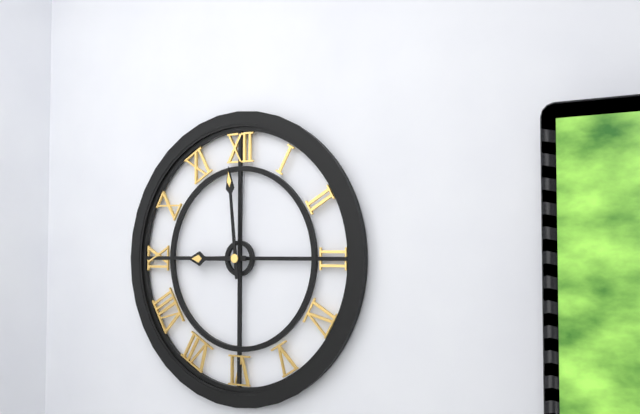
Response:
h=8 m=59
